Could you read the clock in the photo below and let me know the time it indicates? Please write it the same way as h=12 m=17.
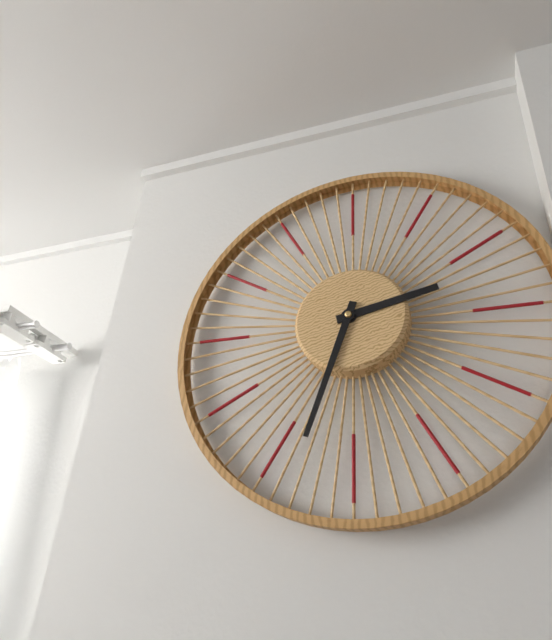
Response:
h=2 m=33
